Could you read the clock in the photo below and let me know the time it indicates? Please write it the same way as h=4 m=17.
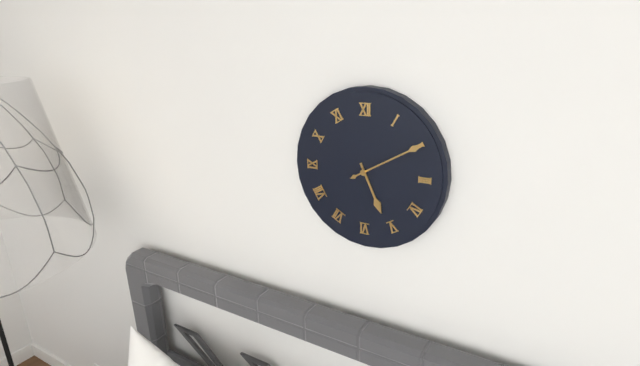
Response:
h=5 m=10
